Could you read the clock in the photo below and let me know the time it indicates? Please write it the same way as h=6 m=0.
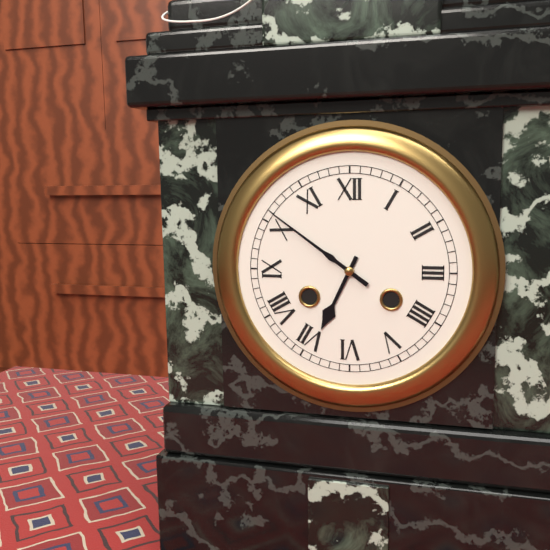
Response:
h=6 m=51
